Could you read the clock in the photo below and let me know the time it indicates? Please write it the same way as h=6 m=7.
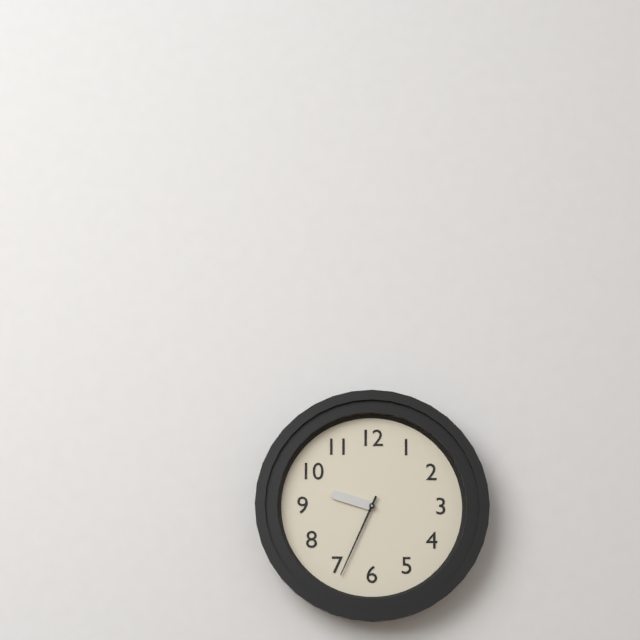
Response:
h=9 m=34
